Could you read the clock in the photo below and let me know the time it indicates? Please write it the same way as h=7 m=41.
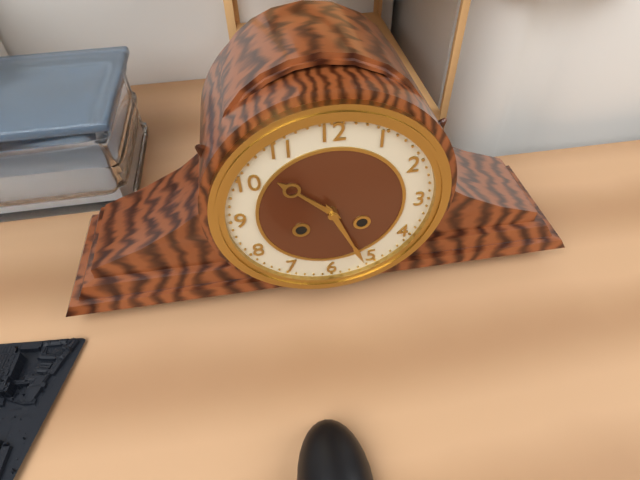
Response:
h=10 m=26
